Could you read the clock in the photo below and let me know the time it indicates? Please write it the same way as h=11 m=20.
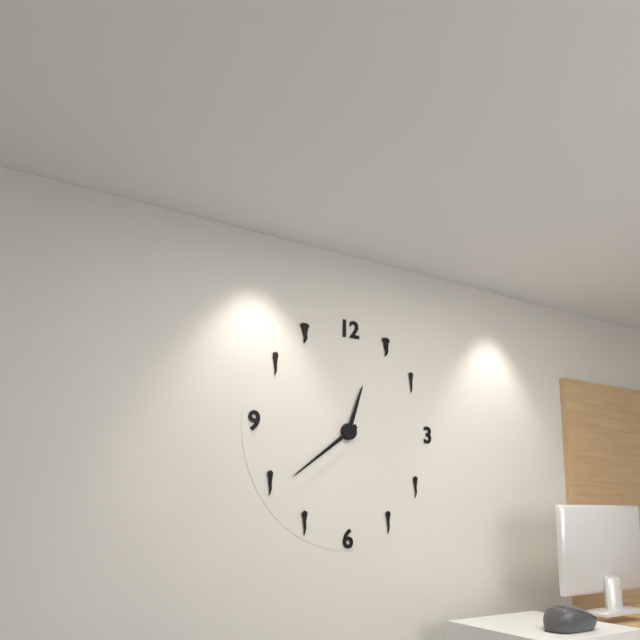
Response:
h=12 m=39
